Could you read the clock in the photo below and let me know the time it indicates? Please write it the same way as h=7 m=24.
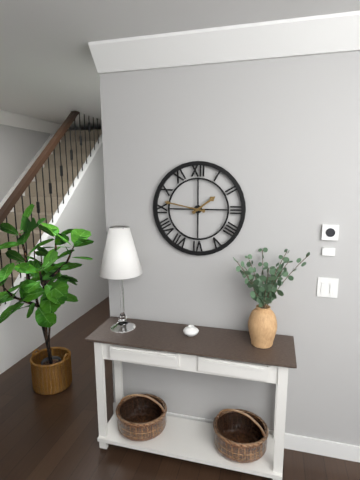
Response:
h=1 m=47
